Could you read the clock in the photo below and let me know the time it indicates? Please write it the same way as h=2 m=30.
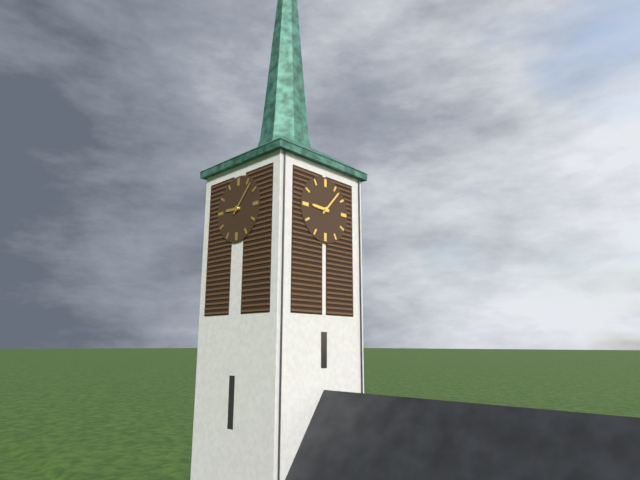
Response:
h=9 m=7
